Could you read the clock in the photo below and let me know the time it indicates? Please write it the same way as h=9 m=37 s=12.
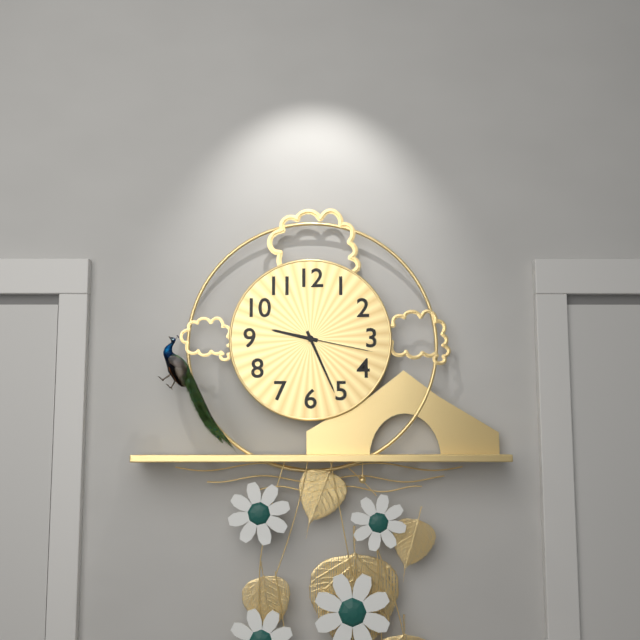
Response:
h=9 m=26 s=17
